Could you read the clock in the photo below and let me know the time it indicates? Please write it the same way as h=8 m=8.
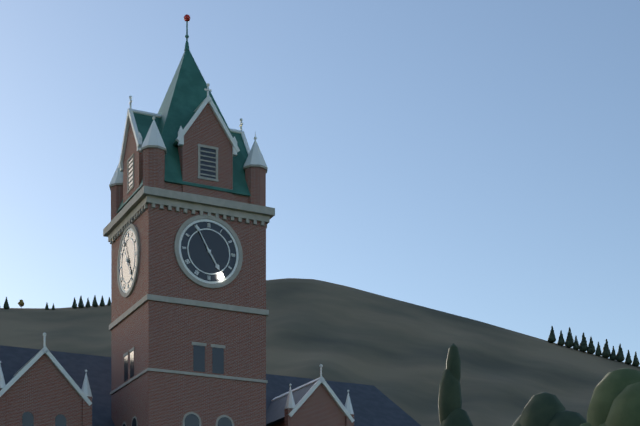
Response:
h=4 m=55
